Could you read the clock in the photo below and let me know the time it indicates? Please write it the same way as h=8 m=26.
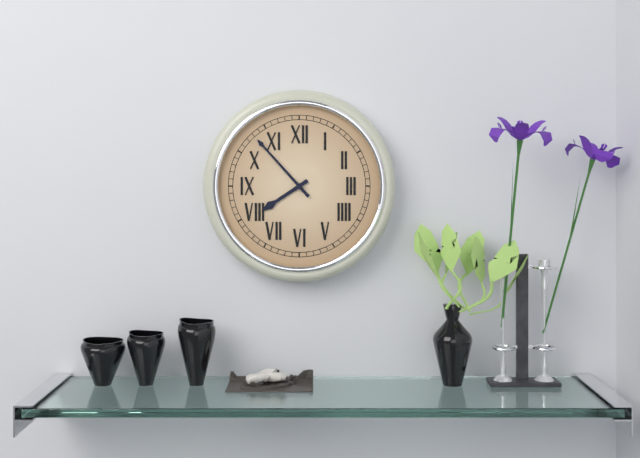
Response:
h=7 m=53
